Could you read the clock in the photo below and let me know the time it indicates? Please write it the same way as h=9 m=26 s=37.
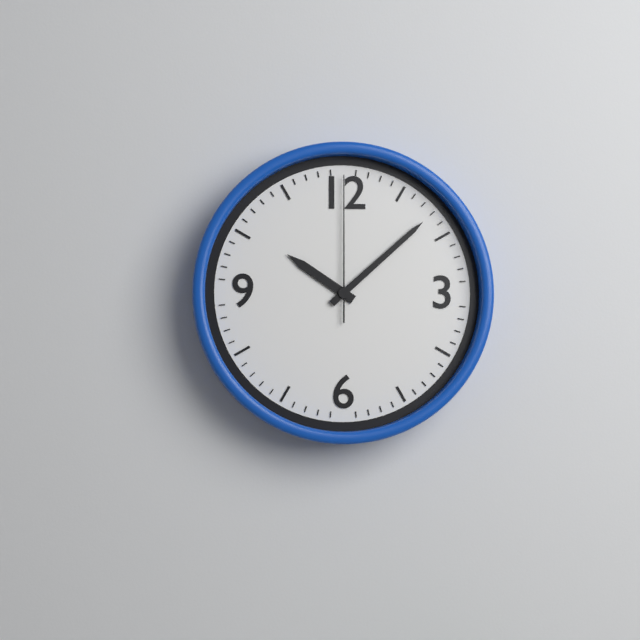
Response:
h=10 m=8 s=0
